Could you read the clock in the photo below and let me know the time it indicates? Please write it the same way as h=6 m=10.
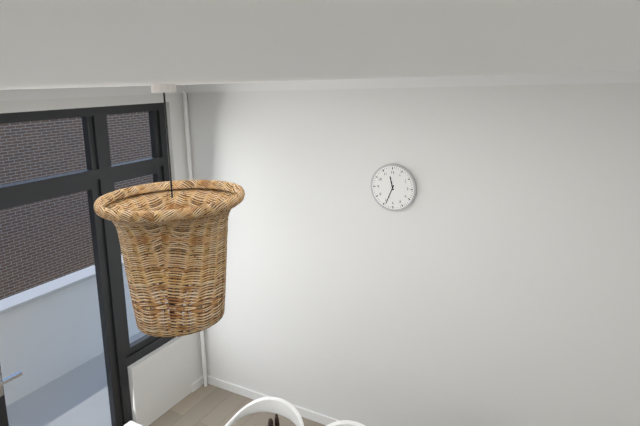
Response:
h=11 m=34
